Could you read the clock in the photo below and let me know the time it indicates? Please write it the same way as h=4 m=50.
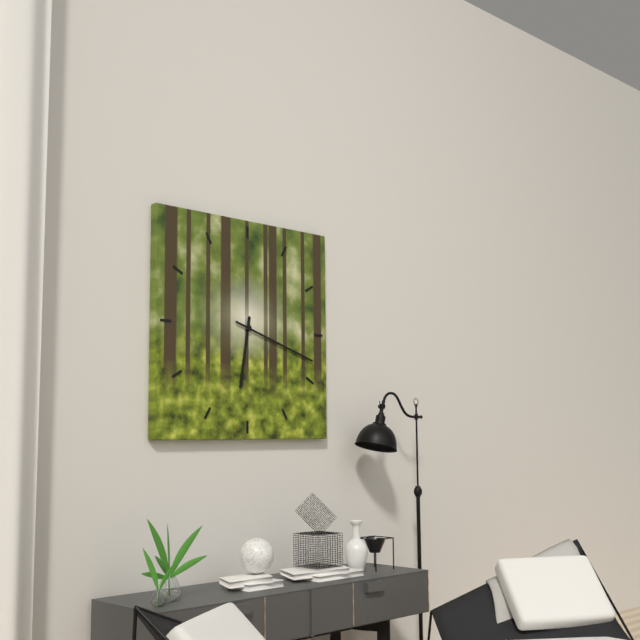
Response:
h=6 m=18
